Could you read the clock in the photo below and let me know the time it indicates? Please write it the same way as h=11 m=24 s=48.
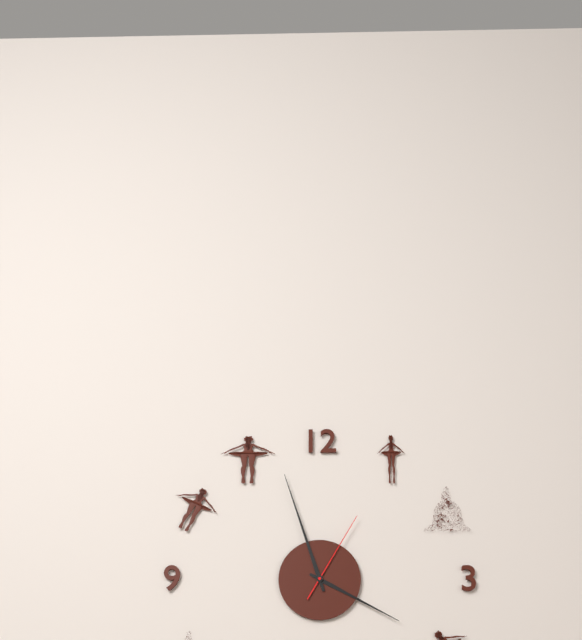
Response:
h=3 m=57 s=5
